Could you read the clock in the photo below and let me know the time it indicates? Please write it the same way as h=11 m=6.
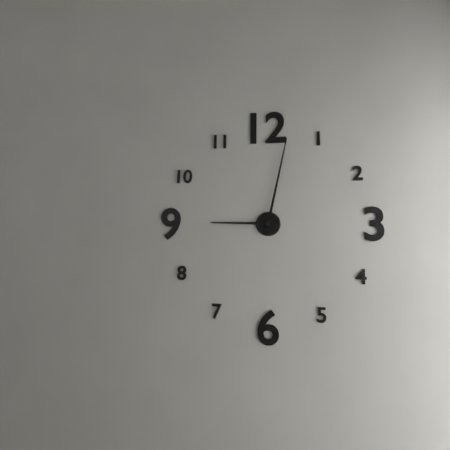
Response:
h=9 m=2
